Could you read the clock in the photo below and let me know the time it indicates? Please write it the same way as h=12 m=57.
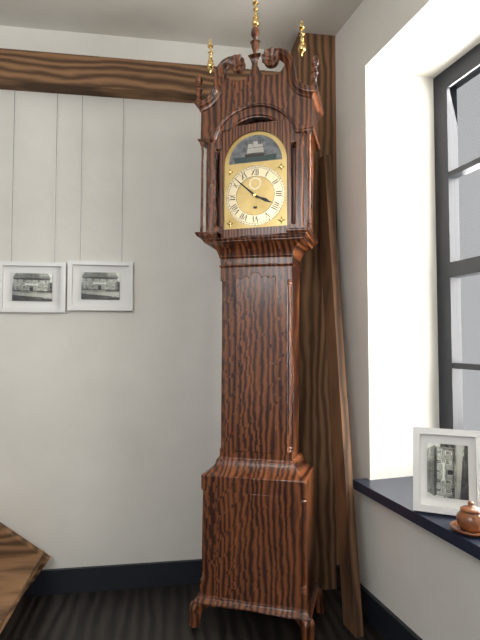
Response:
h=3 m=52
